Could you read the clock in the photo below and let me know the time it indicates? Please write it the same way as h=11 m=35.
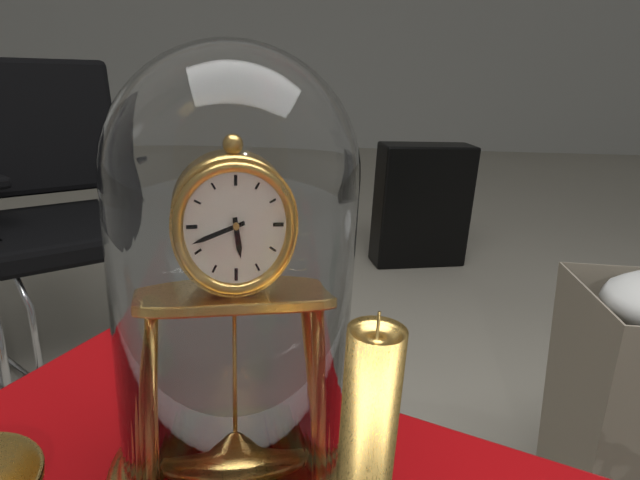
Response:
h=5 m=42
